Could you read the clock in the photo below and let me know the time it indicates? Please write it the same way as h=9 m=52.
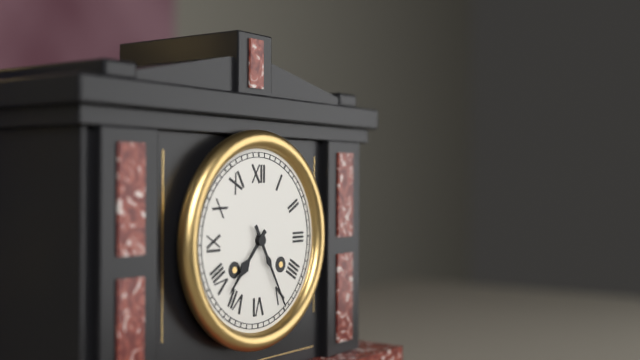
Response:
h=7 m=25
